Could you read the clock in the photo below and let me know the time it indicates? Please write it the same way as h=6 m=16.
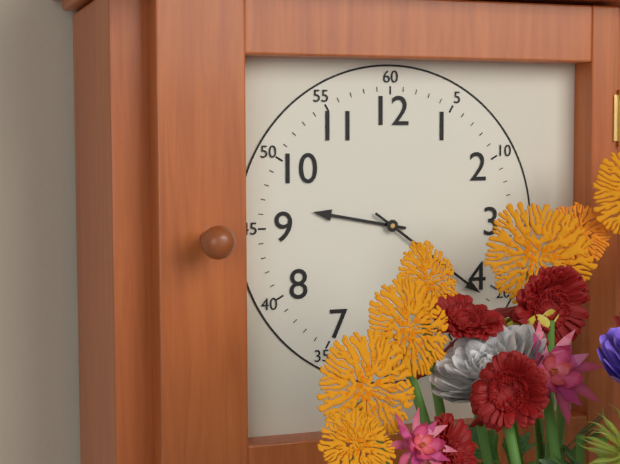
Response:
h=9 m=21
